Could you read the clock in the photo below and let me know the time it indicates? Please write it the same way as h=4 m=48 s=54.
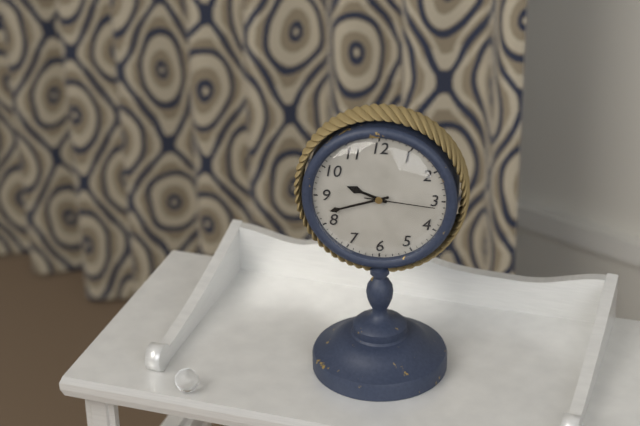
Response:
h=9 m=42 s=16
